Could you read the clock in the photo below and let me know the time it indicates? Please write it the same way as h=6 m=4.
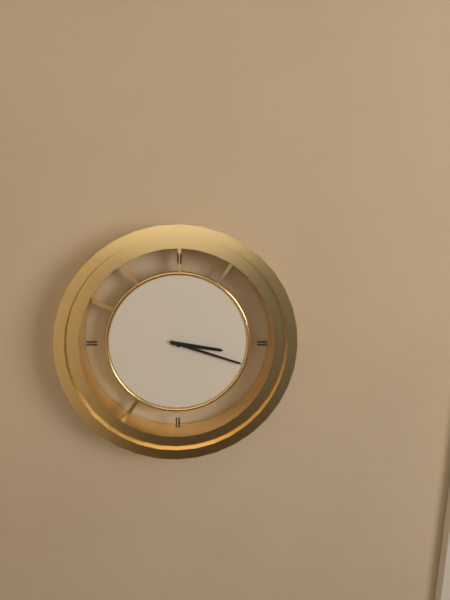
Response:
h=3 m=18
